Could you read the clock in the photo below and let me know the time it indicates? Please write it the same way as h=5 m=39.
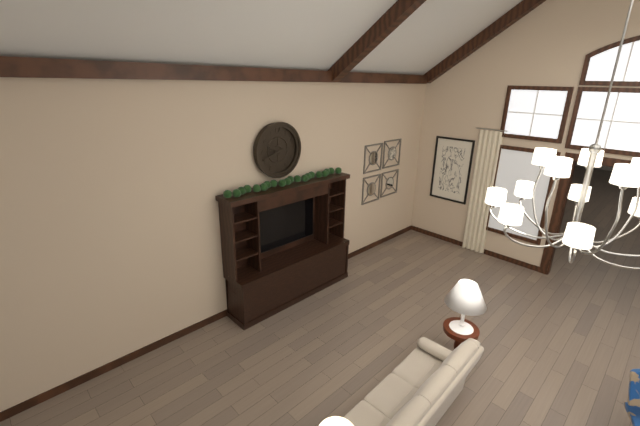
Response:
h=9 m=42
